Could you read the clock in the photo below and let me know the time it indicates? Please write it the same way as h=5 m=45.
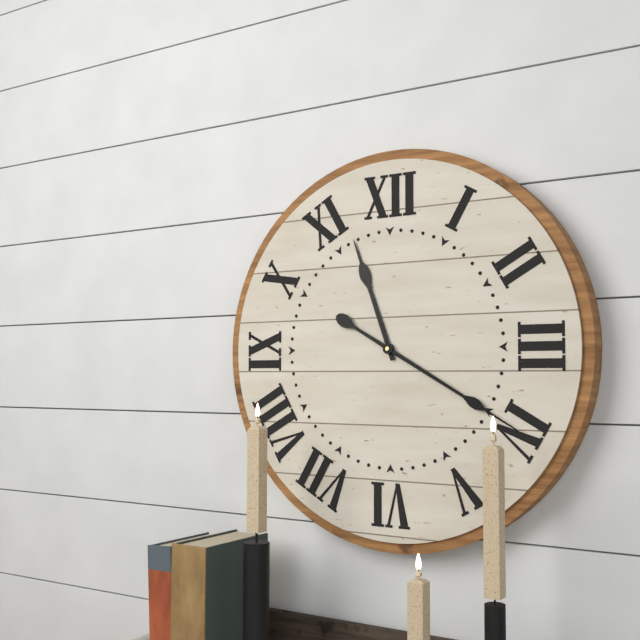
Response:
h=11 m=20
